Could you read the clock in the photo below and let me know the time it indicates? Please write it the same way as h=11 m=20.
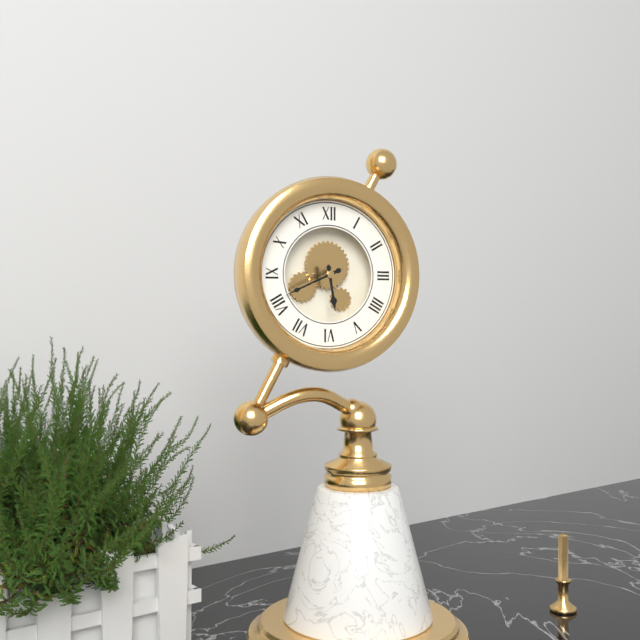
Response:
h=5 m=41
